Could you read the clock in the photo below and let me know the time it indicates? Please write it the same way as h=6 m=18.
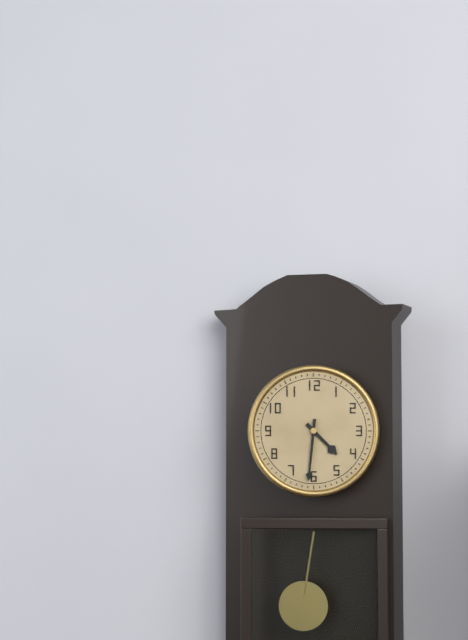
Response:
h=4 m=31
